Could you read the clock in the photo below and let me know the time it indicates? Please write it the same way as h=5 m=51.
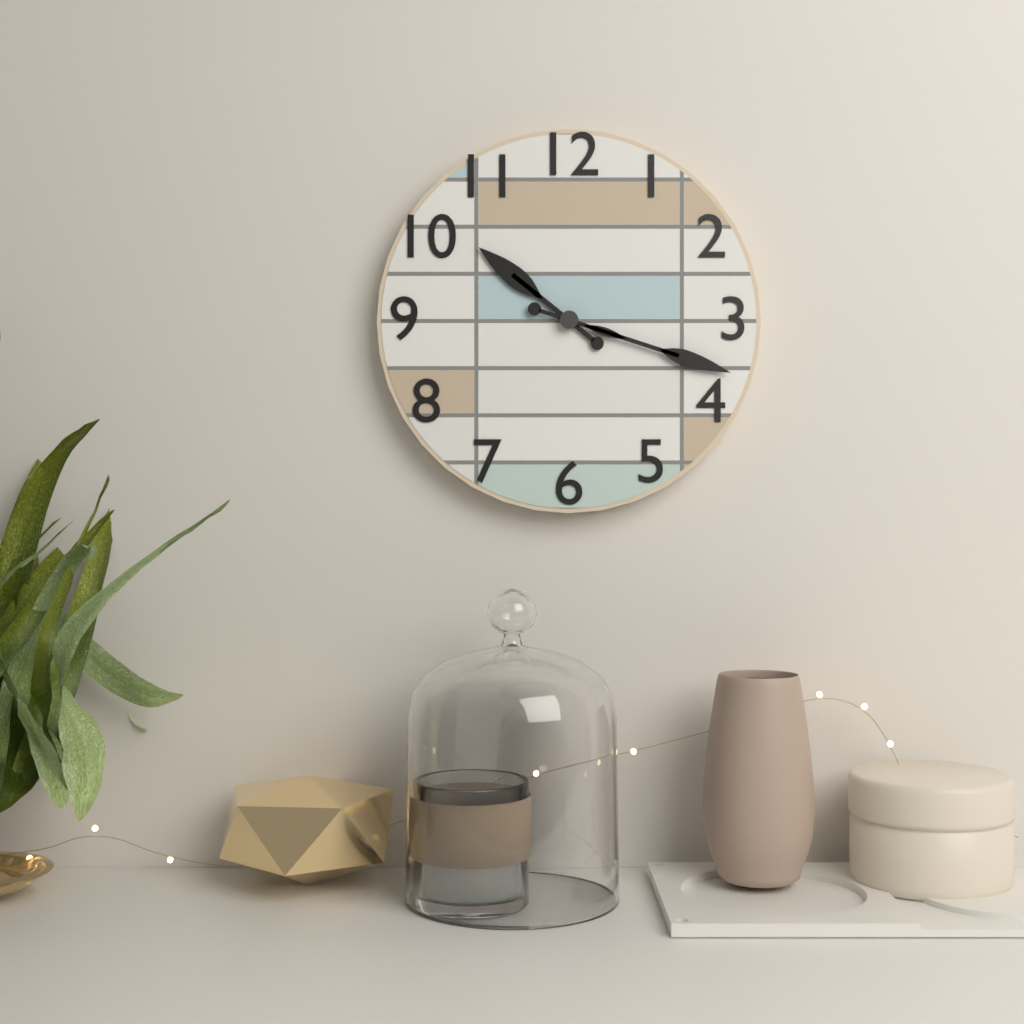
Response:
h=10 m=18
